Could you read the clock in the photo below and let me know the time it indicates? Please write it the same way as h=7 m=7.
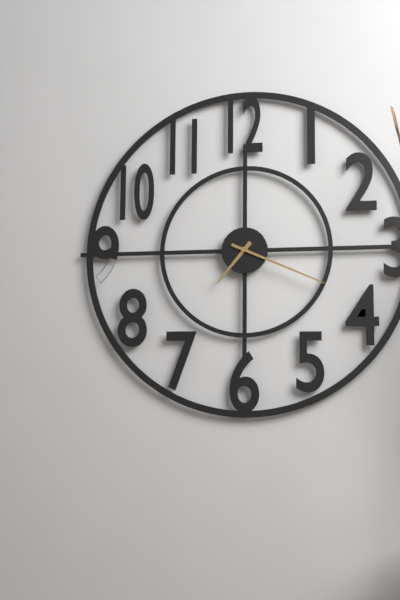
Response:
h=7 m=19
